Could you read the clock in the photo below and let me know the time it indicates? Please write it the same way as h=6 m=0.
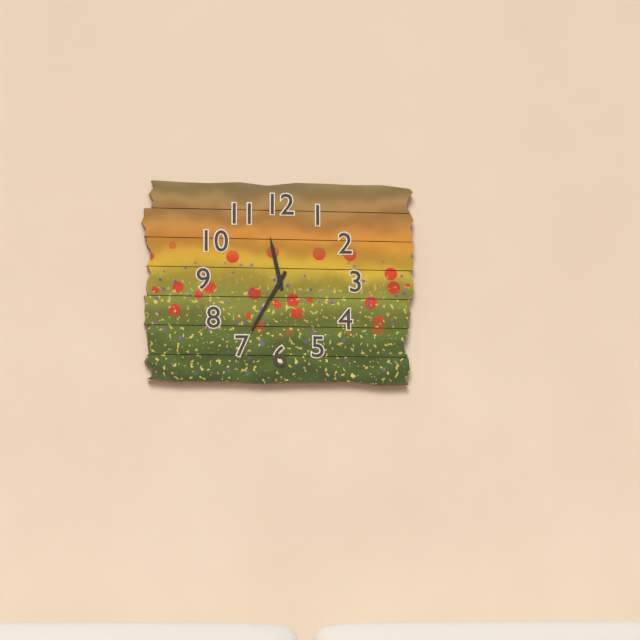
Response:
h=11 m=35
